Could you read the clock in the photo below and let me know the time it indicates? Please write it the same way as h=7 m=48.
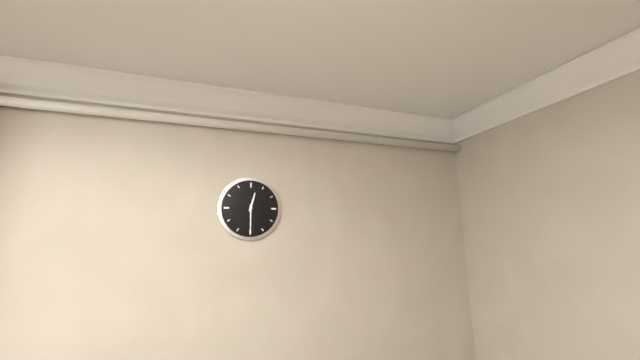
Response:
h=12 m=30
